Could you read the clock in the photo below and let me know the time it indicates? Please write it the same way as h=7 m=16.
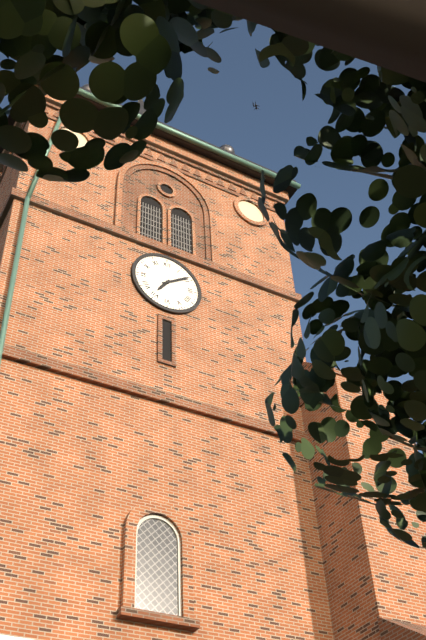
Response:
h=7 m=9
